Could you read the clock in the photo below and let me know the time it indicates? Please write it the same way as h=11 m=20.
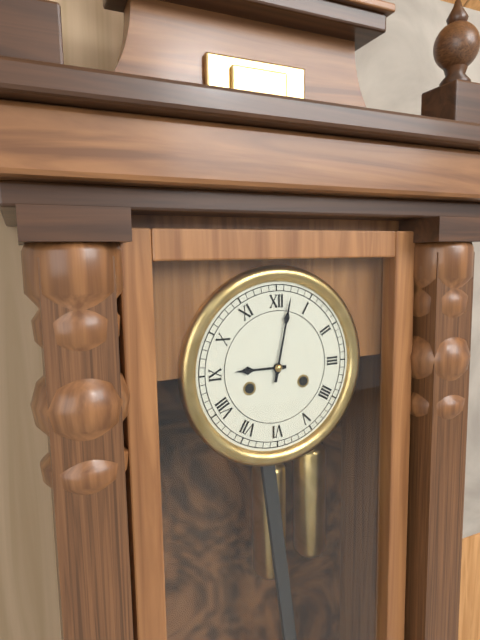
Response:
h=9 m=2
